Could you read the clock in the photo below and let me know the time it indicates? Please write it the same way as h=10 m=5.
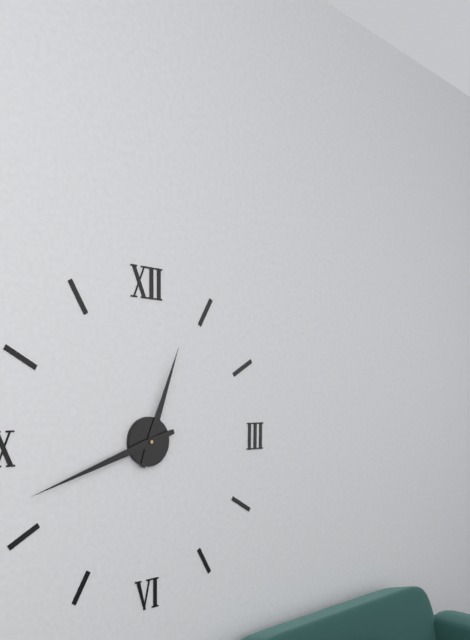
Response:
h=12 m=42
